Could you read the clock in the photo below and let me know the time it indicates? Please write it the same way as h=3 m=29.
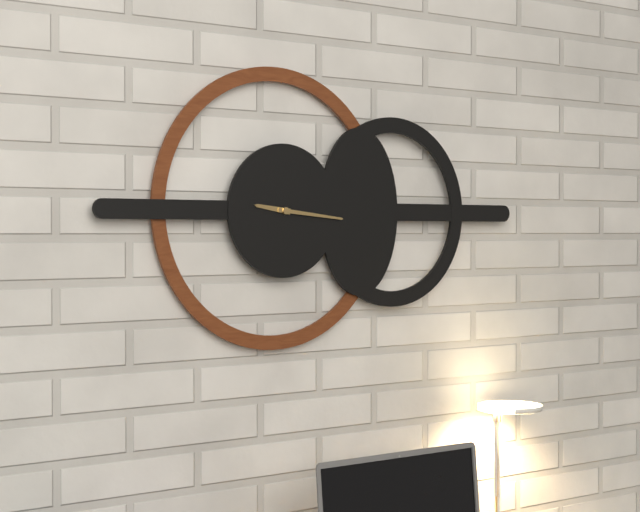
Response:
h=9 m=16
